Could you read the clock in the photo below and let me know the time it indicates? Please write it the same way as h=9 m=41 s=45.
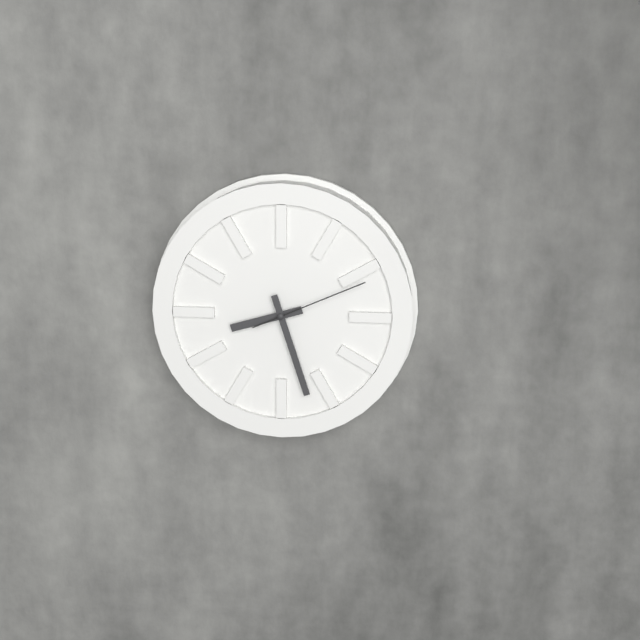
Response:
h=8 m=27 s=11
